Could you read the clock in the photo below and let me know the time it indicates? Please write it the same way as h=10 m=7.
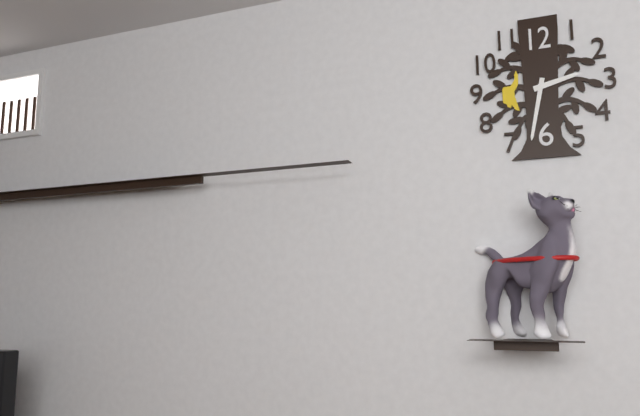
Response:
h=2 m=32
